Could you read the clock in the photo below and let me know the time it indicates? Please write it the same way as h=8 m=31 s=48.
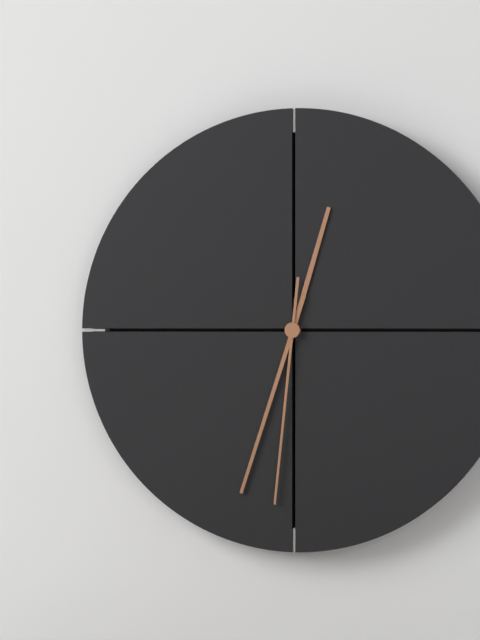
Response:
h=12 m=33 s=31
